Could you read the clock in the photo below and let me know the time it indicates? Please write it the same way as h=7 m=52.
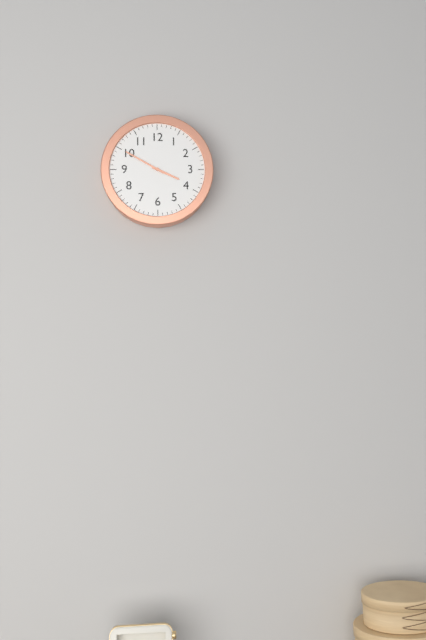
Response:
h=3 m=50
